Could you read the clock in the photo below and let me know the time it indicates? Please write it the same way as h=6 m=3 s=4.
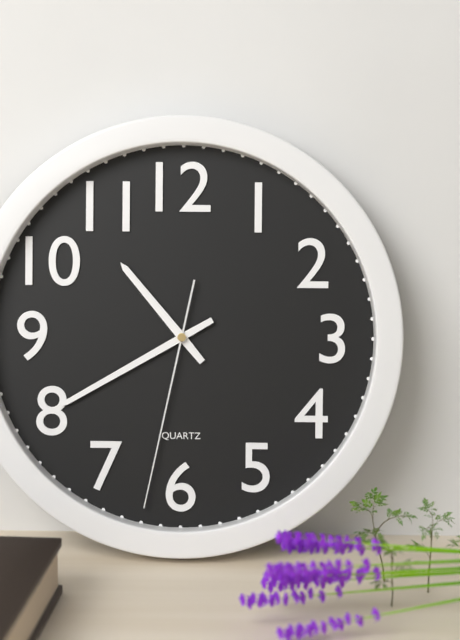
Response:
h=10 m=40 s=32
